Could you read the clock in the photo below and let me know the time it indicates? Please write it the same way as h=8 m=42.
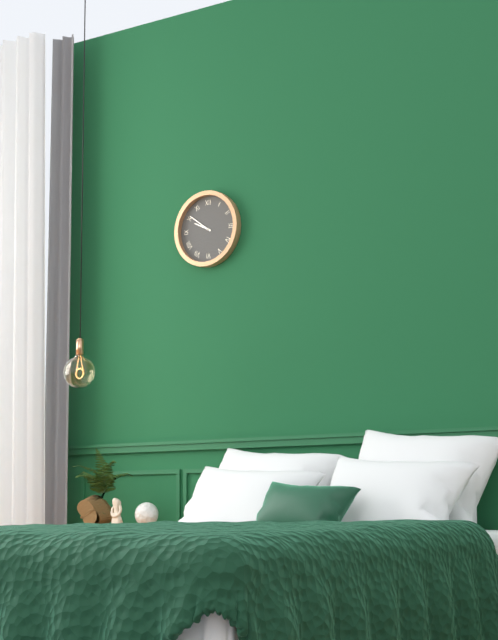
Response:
h=9 m=51
